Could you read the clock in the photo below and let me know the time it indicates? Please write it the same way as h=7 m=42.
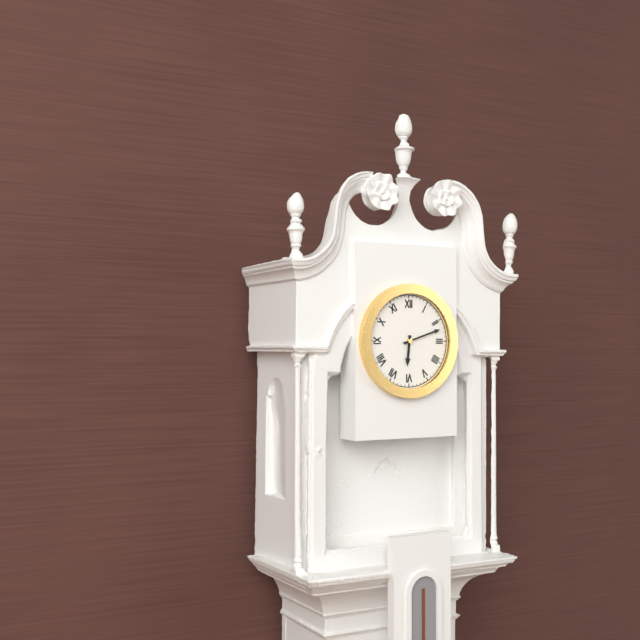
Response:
h=6 m=12
